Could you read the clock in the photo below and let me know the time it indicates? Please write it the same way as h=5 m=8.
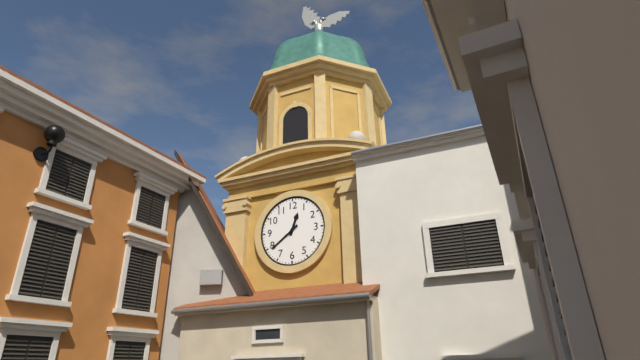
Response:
h=12 m=39
